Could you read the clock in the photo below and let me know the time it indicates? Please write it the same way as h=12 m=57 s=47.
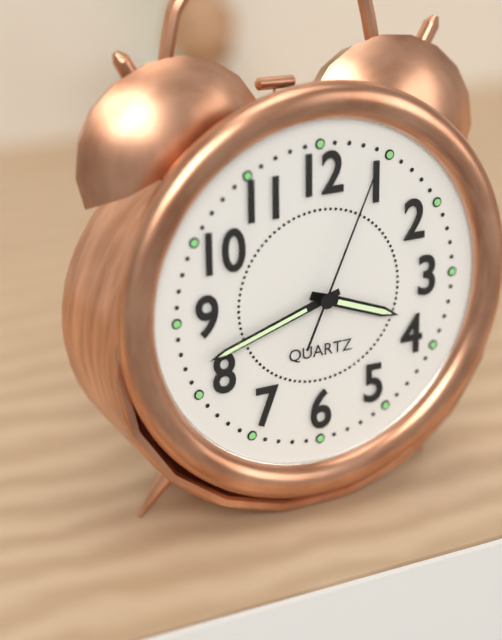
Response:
h=3 m=42 s=4
